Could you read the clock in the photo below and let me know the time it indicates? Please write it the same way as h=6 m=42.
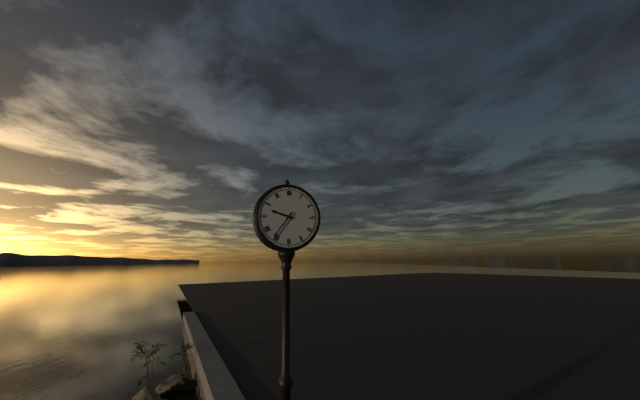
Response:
h=9 m=36
